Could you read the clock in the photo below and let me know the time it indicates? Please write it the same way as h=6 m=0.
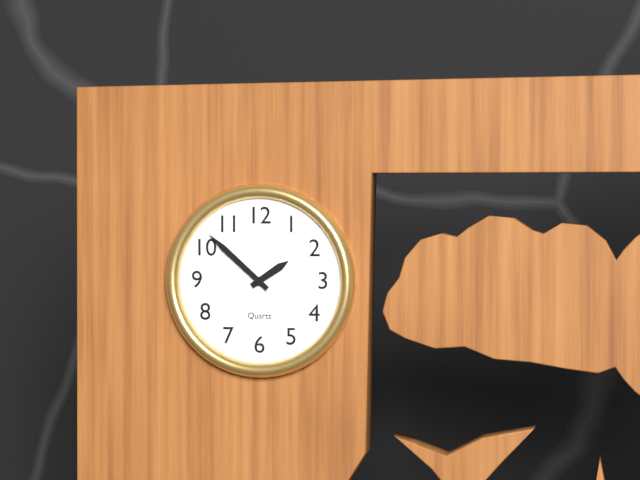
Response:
h=1 m=52
